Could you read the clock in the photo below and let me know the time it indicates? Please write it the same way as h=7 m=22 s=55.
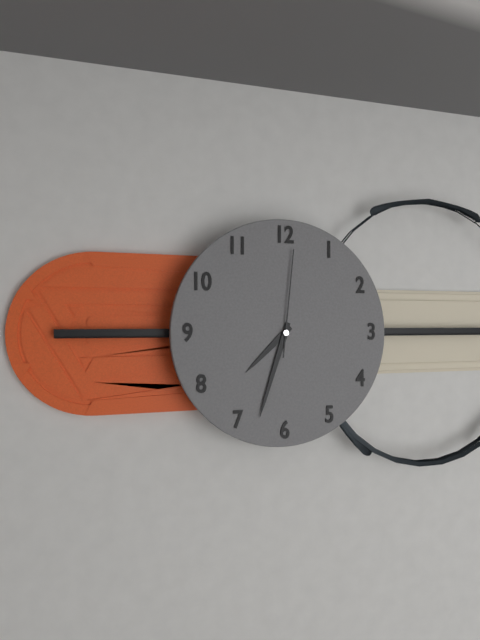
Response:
h=7 m=33 s=1
